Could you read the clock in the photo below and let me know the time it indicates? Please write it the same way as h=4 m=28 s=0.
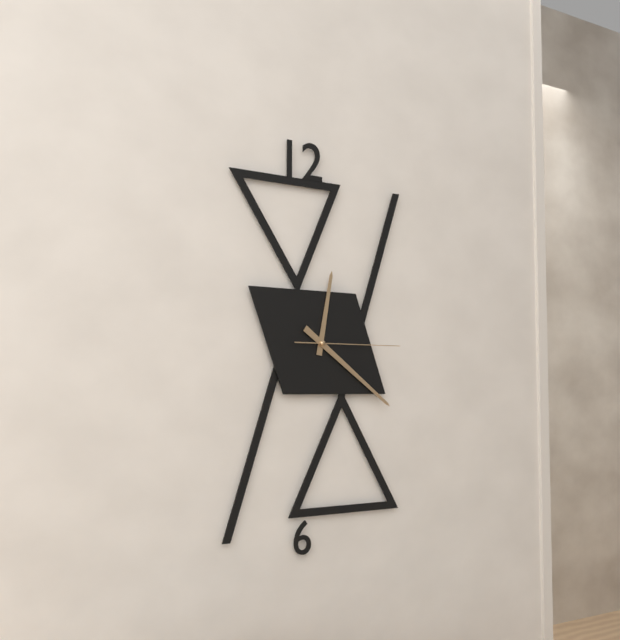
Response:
h=12 m=21 s=15
